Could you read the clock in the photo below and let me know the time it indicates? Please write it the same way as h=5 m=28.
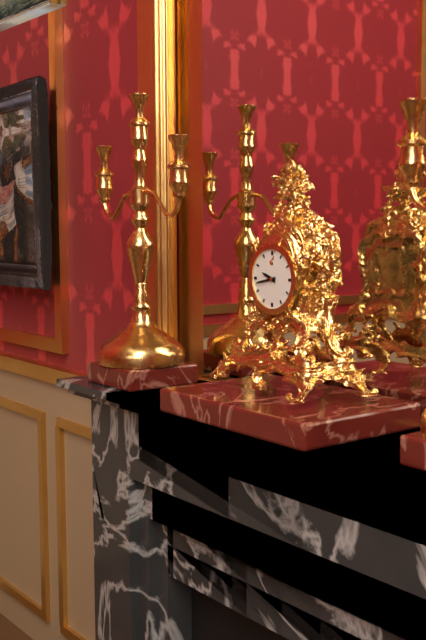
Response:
h=9 m=43
